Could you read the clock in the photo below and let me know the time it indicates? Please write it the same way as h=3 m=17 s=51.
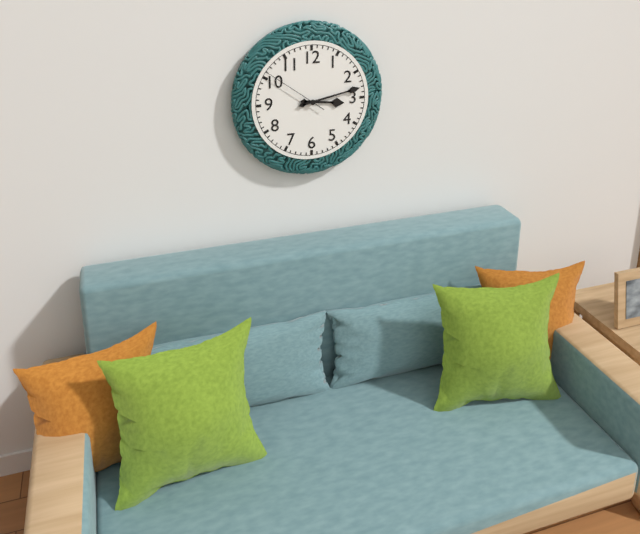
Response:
h=3 m=13 s=51
